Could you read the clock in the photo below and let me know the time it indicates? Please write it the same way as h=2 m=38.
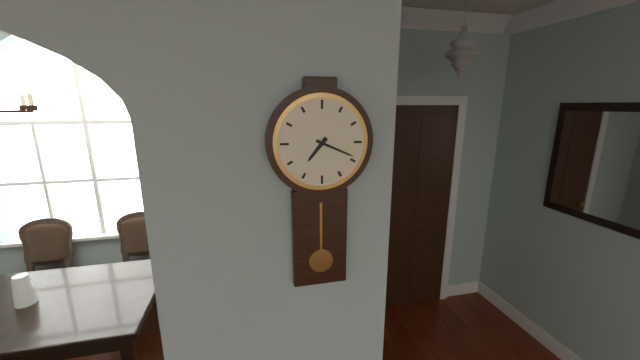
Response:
h=7 m=19
